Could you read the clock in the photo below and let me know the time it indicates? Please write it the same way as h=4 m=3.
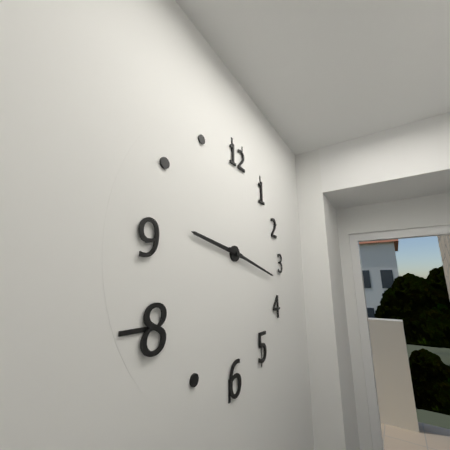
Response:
h=9 m=17
